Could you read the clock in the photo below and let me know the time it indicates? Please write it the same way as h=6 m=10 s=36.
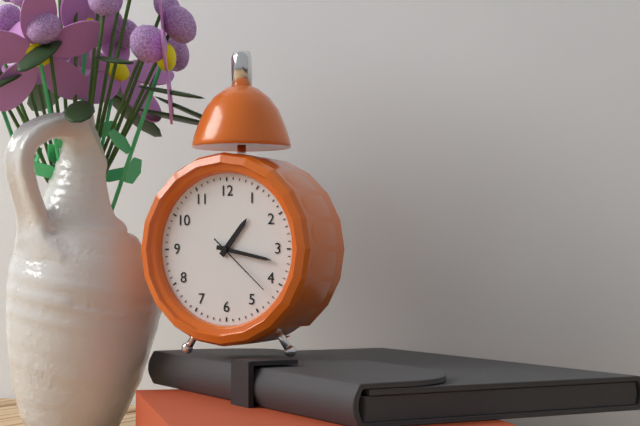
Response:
h=1 m=17 s=22
